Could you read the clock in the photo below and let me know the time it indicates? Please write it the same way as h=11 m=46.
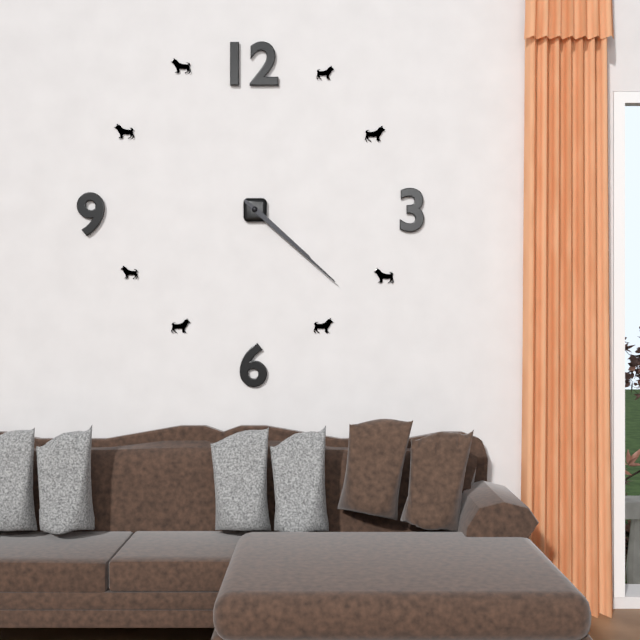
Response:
h=4 m=22
